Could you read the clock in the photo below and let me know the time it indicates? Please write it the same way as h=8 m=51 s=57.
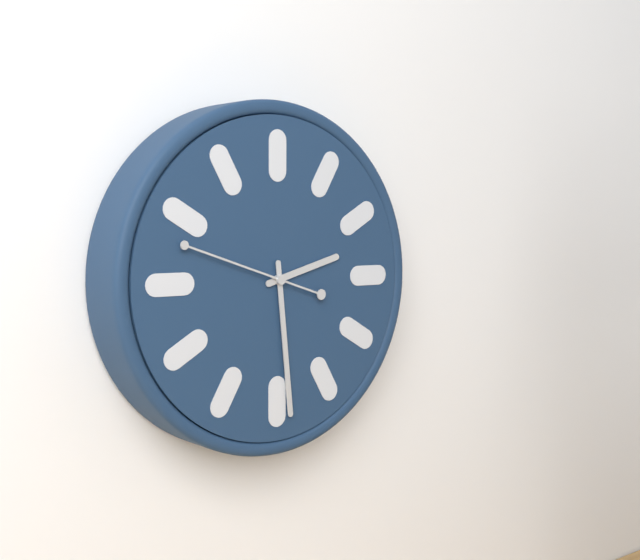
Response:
h=2 m=29 s=48
